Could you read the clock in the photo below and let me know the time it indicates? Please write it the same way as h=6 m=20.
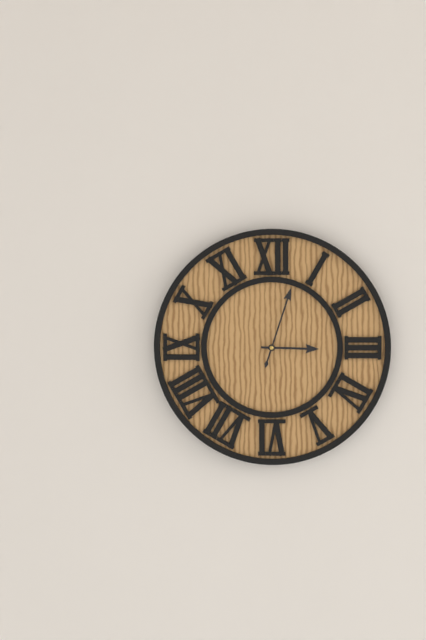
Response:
h=3 m=3
